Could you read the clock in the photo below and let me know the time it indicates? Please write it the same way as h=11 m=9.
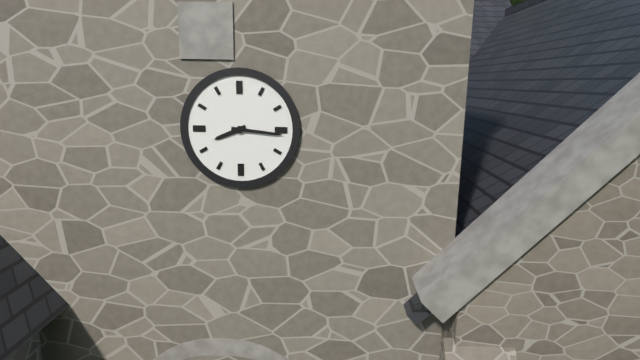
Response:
h=8 m=16
